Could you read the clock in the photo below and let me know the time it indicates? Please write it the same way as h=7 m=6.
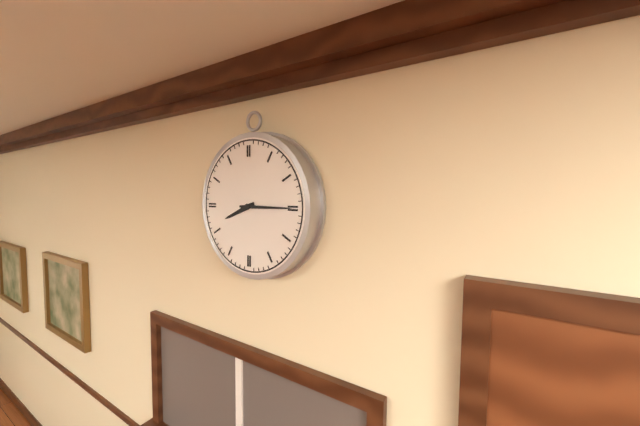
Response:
h=8 m=15
